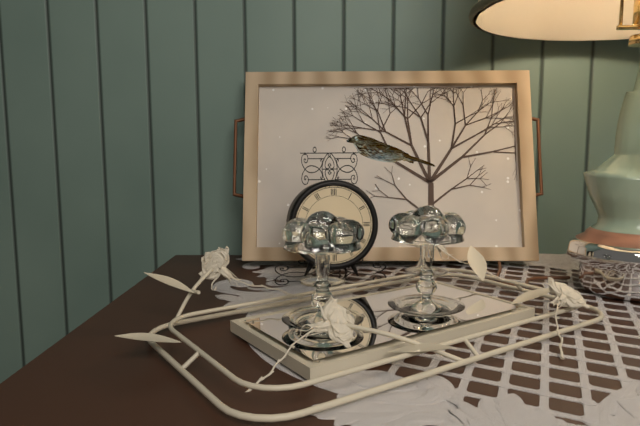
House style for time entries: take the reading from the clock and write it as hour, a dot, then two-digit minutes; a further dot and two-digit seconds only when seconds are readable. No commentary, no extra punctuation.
6.20
